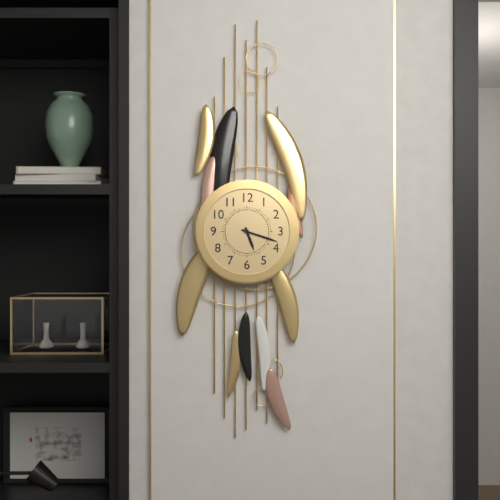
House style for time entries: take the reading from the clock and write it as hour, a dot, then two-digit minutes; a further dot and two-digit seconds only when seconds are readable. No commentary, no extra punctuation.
5.18
